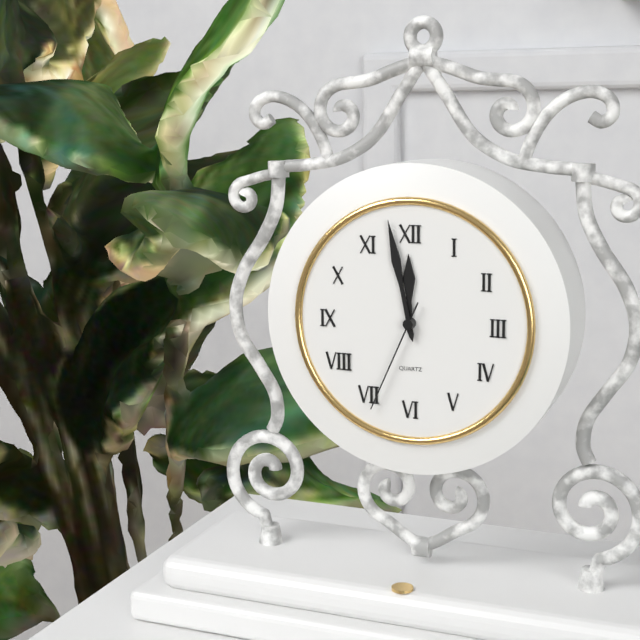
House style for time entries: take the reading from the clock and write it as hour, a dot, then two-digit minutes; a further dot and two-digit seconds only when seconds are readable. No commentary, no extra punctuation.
11.58.34
